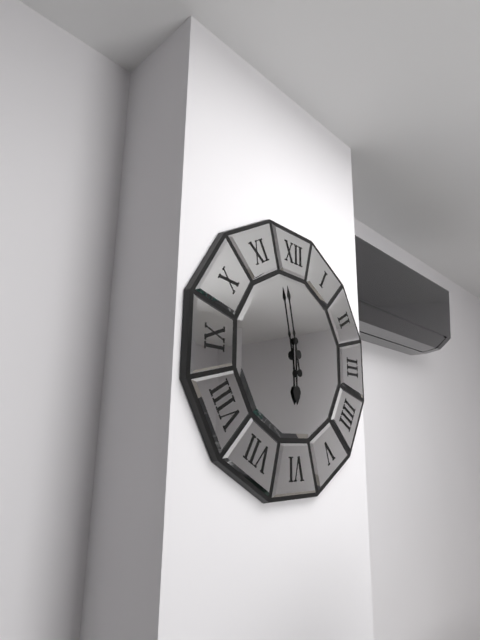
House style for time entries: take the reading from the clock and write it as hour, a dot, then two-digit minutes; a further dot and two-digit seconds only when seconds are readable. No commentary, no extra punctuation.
5.58
